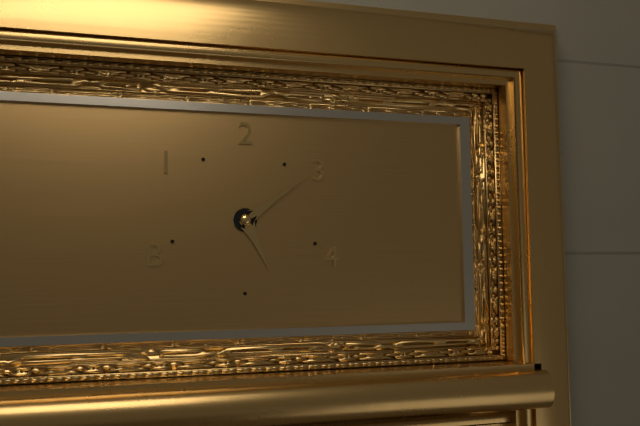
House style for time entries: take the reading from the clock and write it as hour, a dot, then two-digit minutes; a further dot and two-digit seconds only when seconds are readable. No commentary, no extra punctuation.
5.09
